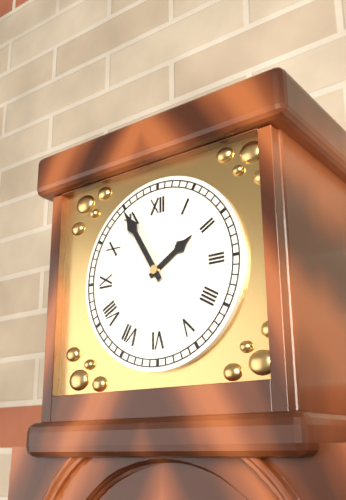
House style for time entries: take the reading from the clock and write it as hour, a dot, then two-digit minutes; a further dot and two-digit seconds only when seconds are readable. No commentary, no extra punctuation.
1.55
